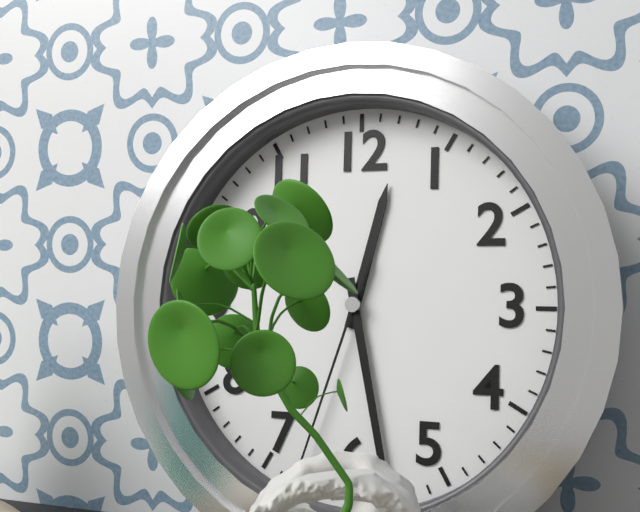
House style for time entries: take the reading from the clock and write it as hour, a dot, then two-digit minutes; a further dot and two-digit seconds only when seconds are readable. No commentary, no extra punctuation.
12.28
